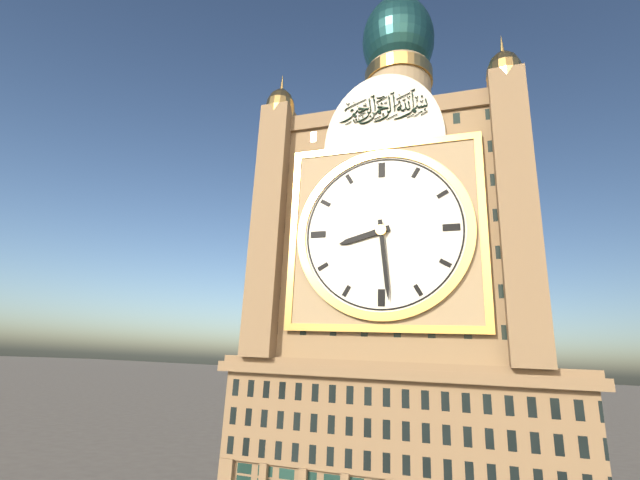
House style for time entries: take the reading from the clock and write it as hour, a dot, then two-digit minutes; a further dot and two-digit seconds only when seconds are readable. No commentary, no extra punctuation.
8.29
